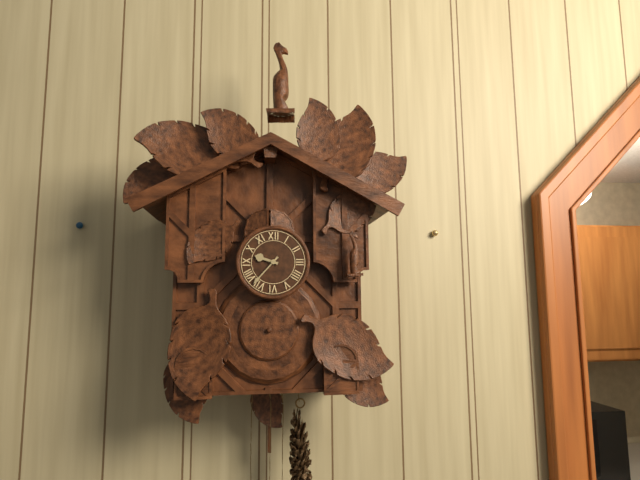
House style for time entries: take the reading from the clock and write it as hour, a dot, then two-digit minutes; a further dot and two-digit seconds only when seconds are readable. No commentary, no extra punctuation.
9.37
